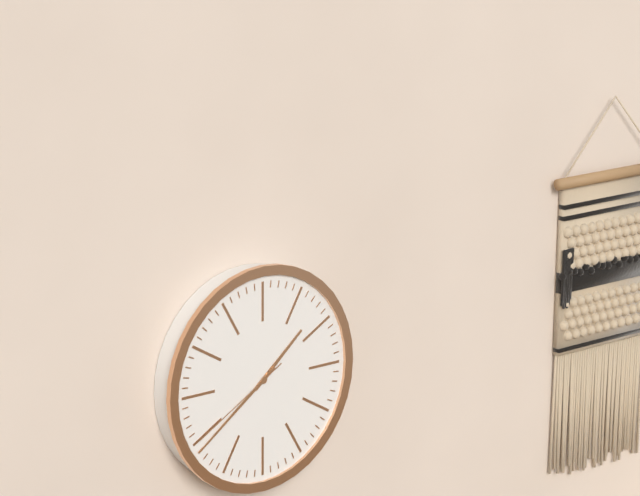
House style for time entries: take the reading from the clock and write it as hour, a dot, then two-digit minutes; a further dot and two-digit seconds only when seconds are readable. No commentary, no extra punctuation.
1.39.40
